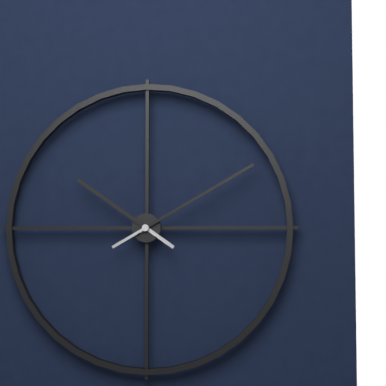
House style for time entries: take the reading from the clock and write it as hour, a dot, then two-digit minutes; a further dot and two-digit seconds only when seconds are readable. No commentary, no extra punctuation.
10.10
